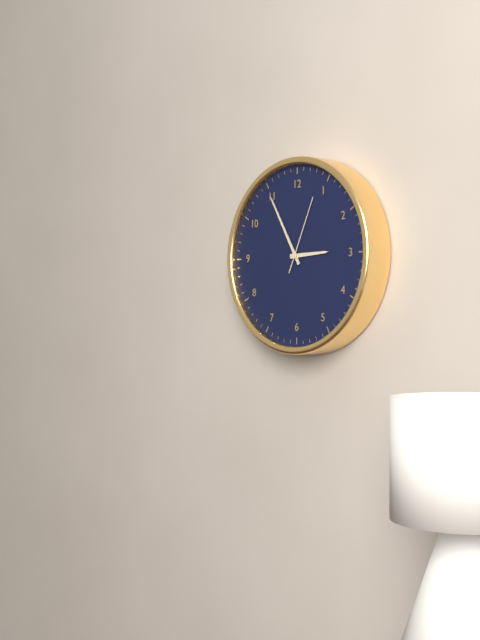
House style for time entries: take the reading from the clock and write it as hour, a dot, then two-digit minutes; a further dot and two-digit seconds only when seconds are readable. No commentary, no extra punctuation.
2.55.04
